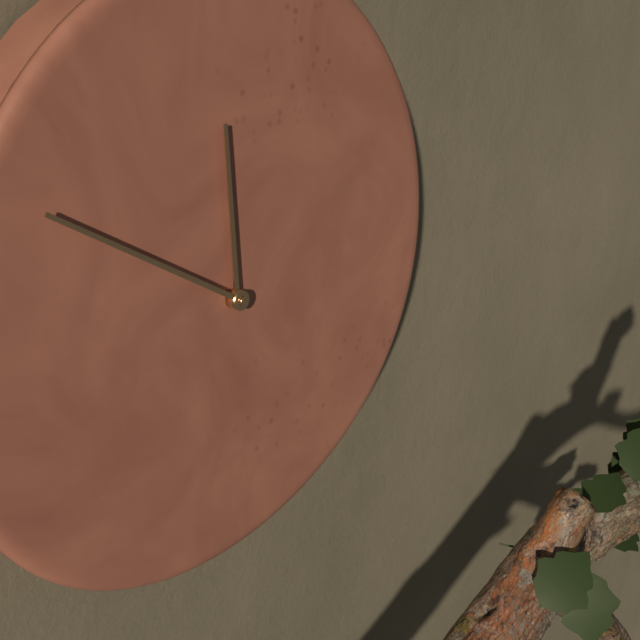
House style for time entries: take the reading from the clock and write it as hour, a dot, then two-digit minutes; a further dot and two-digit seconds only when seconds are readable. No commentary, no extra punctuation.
11.50
